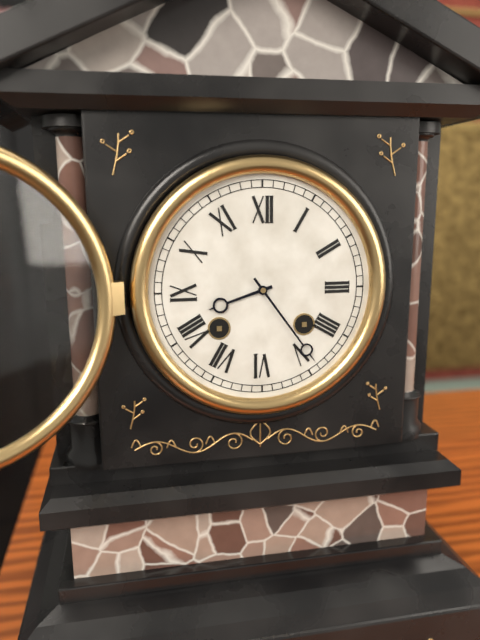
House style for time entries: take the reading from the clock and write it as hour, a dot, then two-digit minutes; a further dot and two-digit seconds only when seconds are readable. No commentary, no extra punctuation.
8.24
